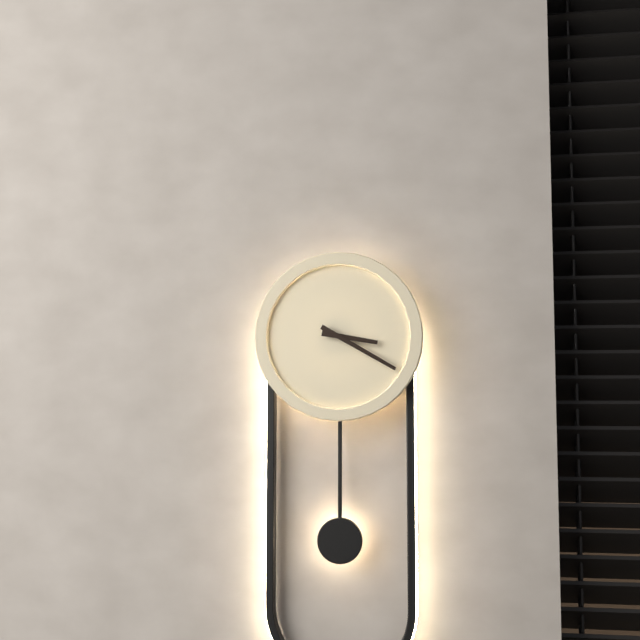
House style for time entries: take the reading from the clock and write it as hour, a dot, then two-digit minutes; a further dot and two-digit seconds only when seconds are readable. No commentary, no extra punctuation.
3.20
